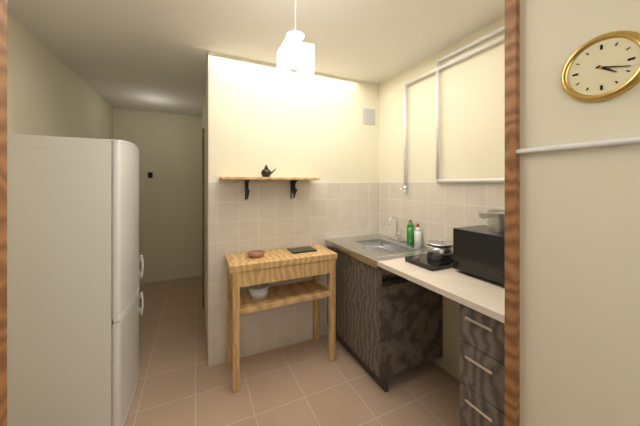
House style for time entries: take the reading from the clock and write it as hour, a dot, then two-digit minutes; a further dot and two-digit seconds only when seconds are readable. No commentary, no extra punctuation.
4.18
